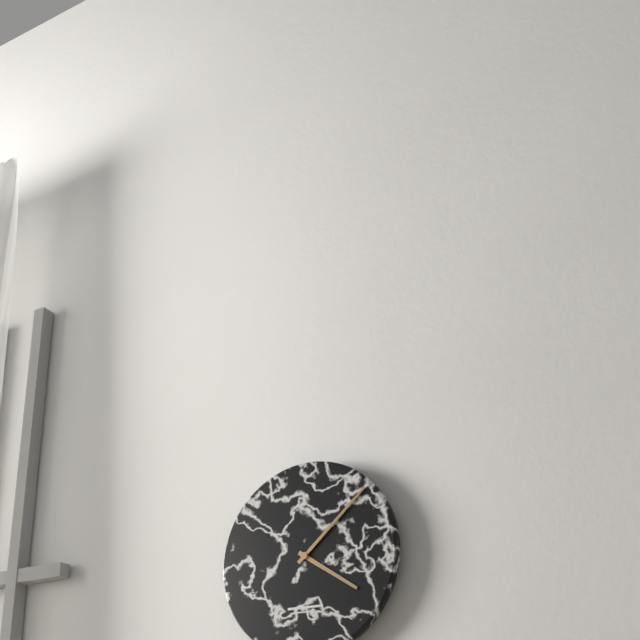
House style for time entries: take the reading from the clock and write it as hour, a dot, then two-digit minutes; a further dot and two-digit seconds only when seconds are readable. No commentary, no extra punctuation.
4.08
